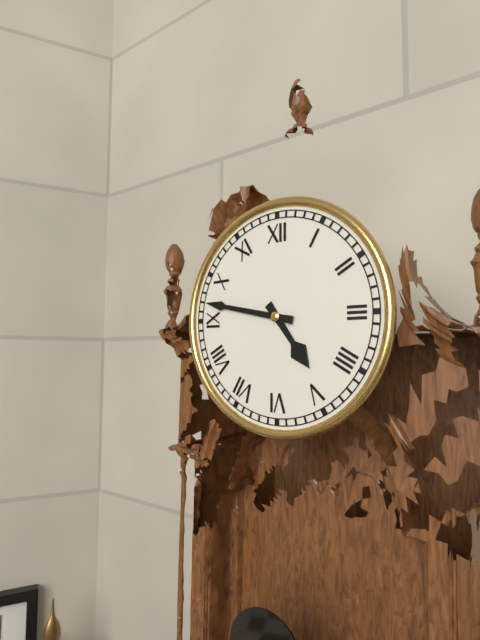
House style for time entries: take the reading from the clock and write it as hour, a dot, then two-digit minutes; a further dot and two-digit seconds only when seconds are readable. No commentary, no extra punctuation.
4.47
